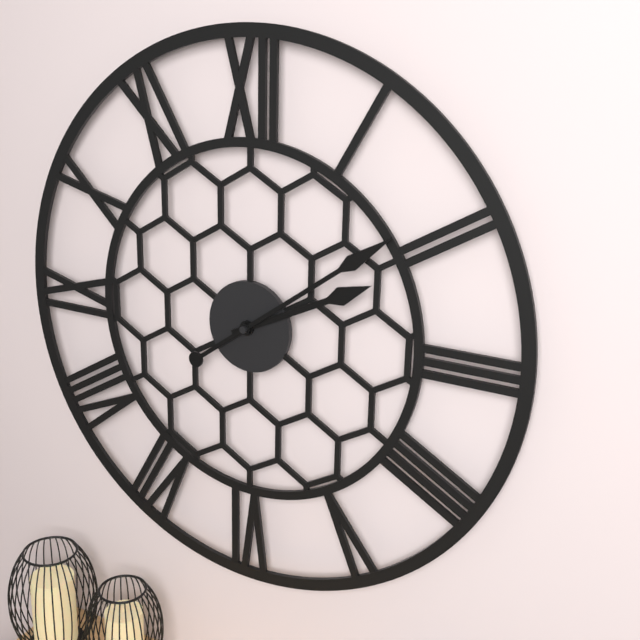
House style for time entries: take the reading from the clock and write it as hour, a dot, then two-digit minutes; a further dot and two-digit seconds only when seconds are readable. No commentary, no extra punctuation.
2.09
